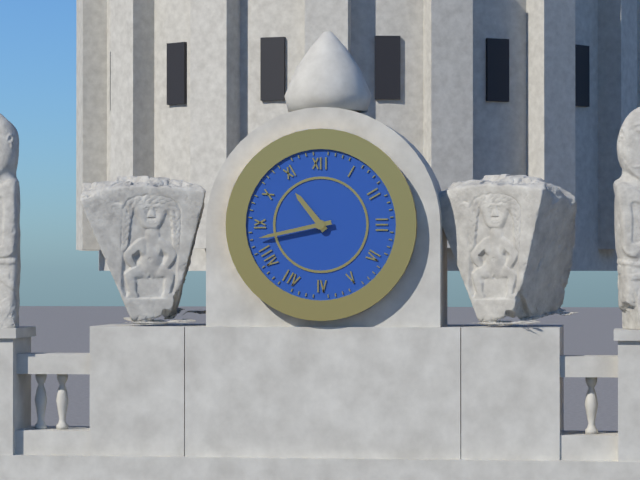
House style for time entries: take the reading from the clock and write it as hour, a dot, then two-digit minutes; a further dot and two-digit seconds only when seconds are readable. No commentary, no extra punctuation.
10.43
